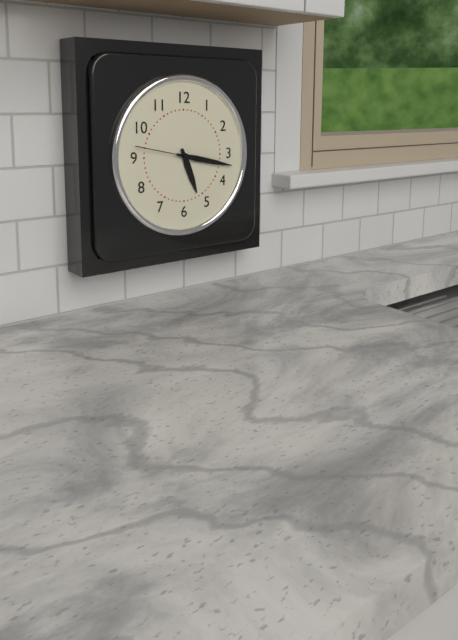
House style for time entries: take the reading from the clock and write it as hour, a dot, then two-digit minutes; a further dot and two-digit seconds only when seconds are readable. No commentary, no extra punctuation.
5.17.47
